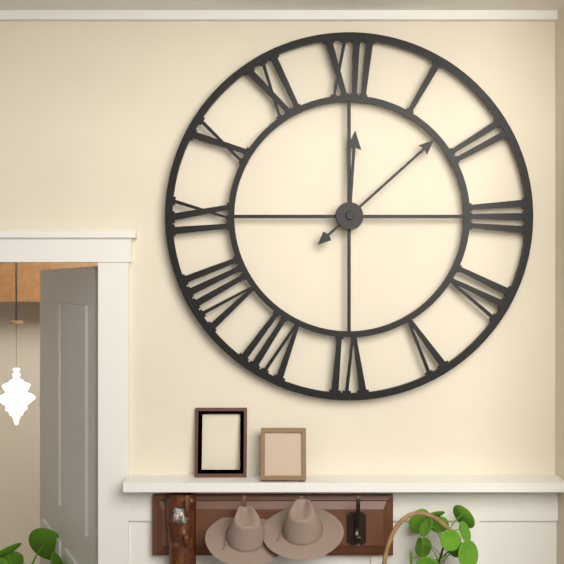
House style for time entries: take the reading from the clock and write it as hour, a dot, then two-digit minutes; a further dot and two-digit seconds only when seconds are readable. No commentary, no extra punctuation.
12.08
